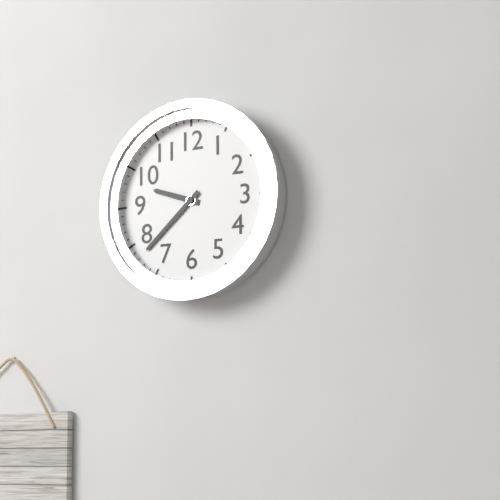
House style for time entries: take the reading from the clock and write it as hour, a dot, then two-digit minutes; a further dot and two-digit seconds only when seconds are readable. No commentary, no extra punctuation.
9.38
